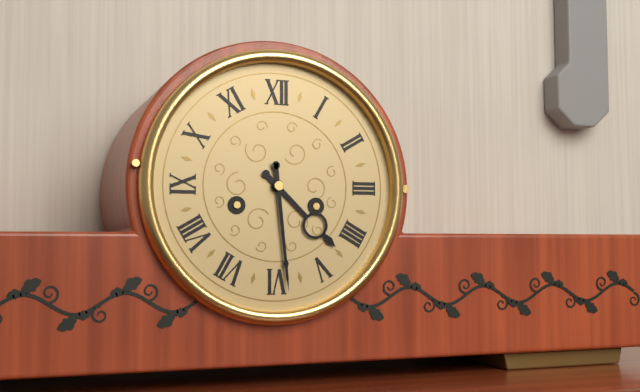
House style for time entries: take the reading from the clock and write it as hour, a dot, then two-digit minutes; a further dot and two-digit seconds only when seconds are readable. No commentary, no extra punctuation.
4.29
